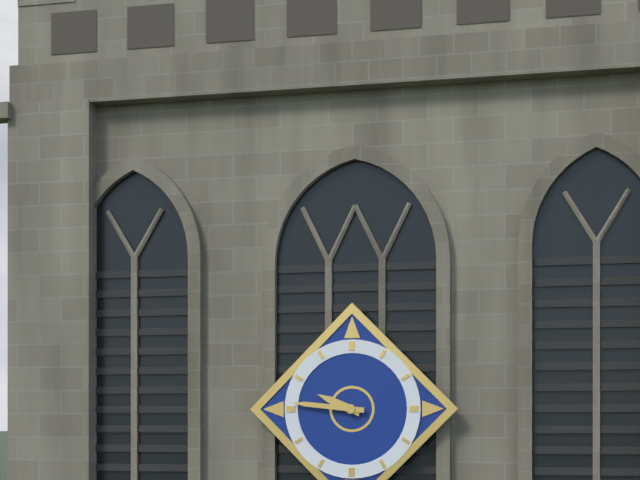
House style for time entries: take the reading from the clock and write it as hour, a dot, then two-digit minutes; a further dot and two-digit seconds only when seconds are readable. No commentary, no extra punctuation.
9.46
